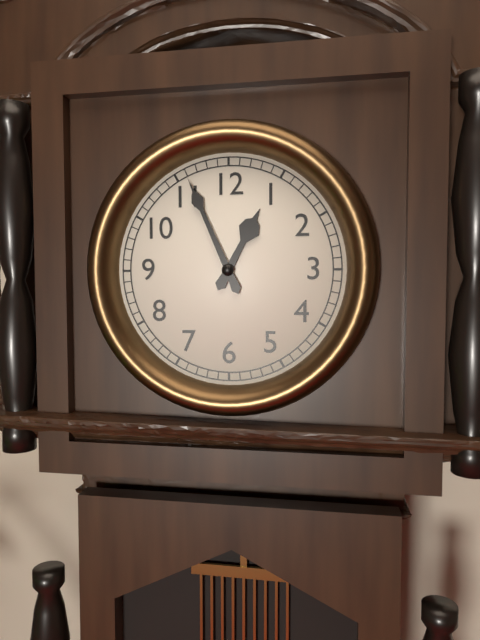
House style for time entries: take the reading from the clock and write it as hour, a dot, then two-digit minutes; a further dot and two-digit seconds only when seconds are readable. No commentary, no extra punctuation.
12.56
